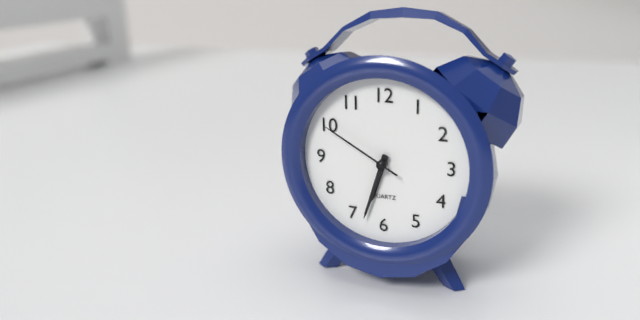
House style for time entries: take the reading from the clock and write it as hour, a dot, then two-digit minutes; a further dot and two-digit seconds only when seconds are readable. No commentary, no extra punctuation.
6.33.50
